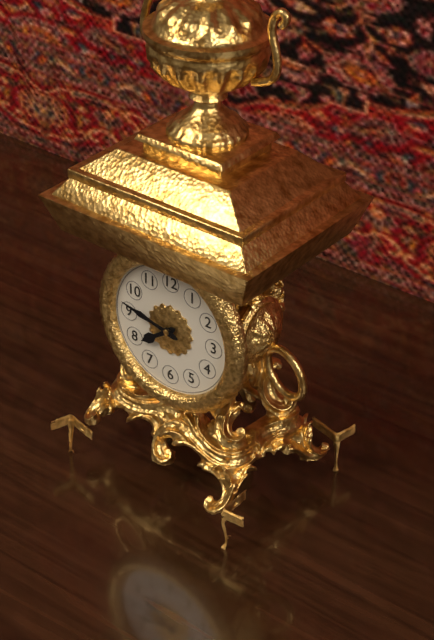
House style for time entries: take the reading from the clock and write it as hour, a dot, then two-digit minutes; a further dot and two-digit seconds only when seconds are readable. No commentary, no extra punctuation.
7.47
